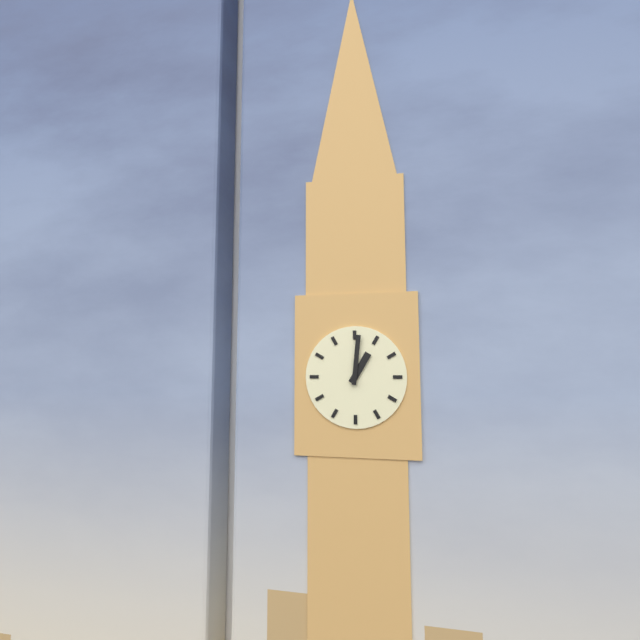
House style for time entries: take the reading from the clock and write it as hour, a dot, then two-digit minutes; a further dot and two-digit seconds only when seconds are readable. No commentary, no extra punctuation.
1.01
